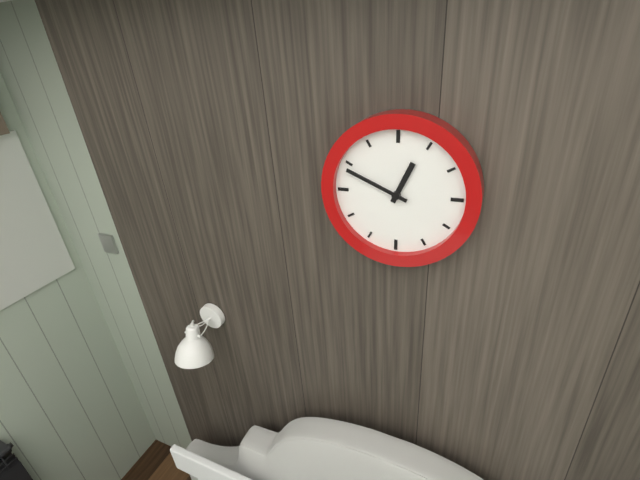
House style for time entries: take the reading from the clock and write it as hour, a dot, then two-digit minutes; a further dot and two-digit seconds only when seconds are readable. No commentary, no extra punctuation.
12.49
